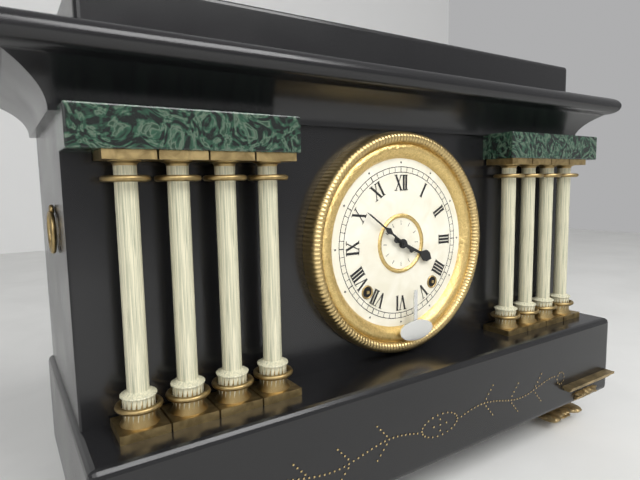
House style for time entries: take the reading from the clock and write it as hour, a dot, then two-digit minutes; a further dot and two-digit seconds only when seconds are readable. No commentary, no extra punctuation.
3.51
